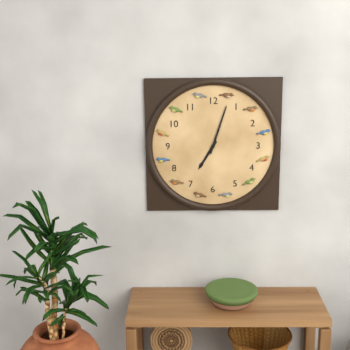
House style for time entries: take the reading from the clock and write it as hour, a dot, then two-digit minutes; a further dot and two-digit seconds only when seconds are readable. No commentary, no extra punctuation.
7.03
